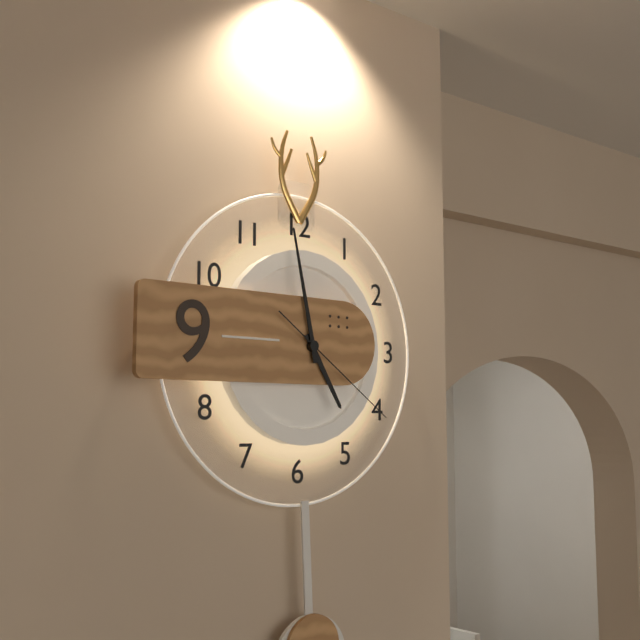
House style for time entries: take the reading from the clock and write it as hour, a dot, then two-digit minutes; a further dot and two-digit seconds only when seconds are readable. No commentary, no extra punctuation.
4.58.21
